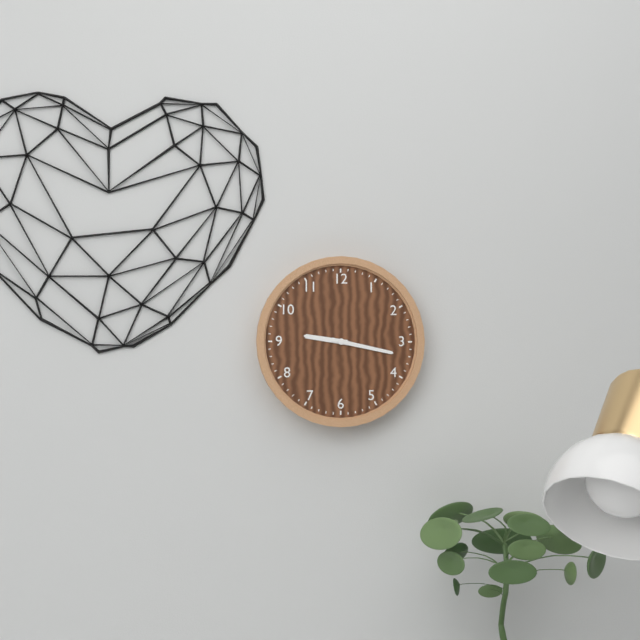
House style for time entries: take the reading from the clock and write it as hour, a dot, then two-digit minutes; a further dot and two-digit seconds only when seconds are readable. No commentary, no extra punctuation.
9.17
